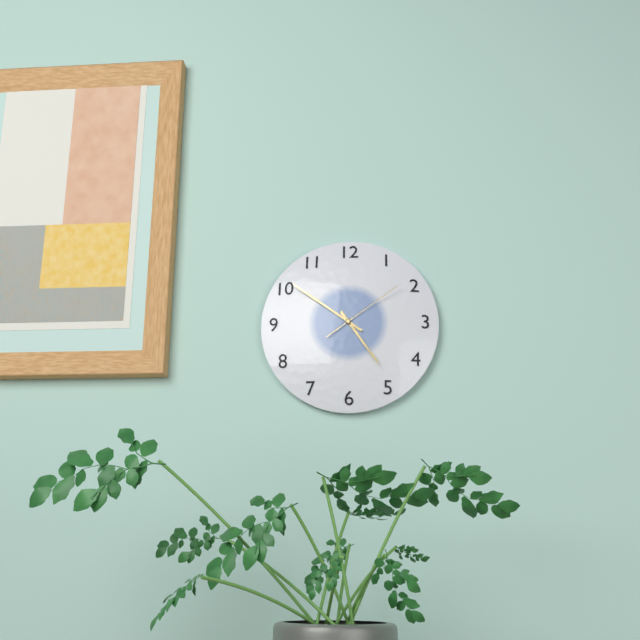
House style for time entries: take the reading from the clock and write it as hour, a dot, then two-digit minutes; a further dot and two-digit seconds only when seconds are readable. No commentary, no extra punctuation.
4.51.09
